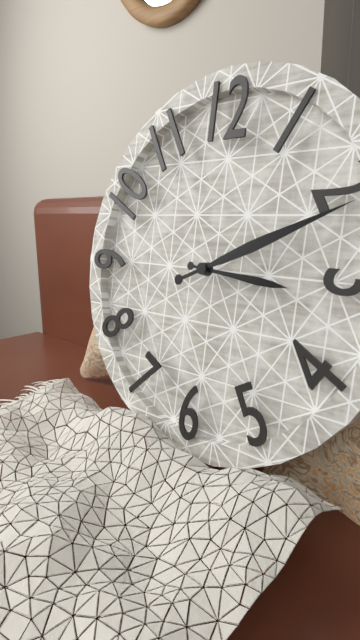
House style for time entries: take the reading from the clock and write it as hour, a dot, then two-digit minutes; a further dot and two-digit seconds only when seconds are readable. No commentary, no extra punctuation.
3.11
